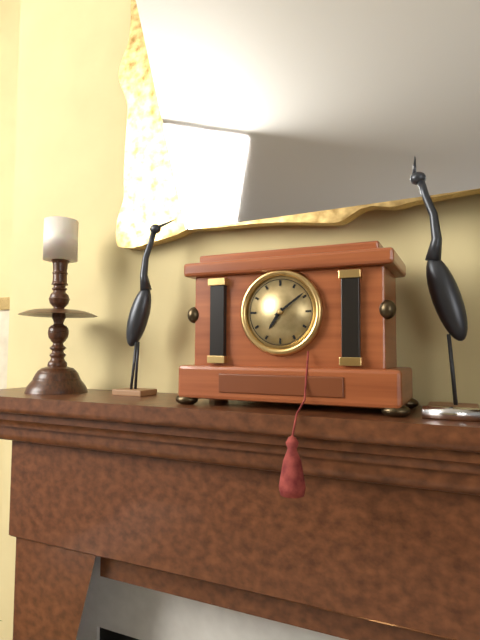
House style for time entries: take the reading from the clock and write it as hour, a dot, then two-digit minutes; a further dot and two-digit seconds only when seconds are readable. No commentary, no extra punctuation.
7.09
